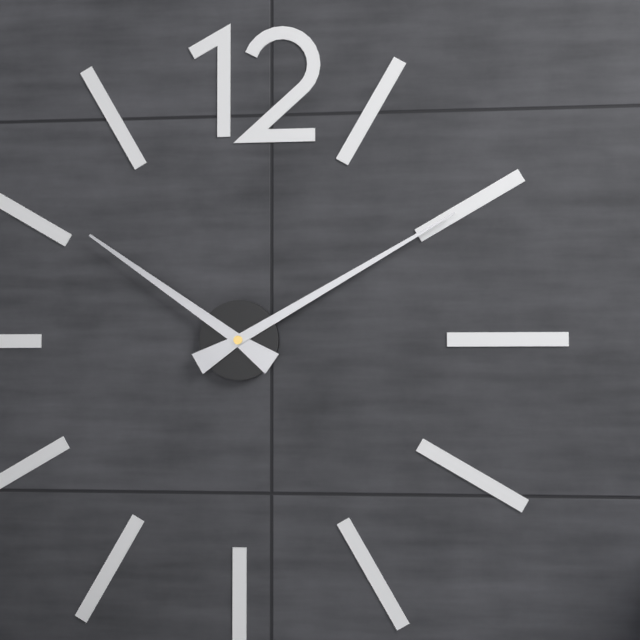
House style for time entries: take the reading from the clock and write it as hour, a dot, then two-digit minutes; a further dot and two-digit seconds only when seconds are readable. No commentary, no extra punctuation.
10.10
